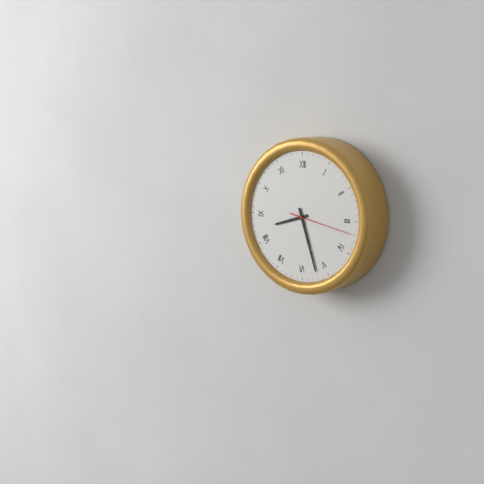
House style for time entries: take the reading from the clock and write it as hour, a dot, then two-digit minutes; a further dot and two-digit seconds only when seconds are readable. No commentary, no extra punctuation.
8.27.17
